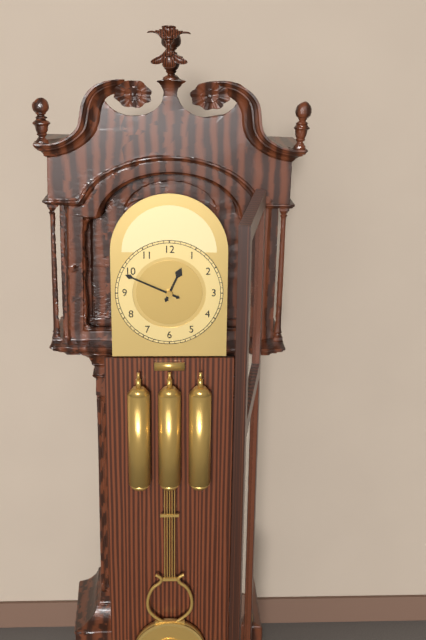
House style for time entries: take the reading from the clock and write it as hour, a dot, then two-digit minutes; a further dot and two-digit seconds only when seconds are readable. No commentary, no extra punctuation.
12.49
